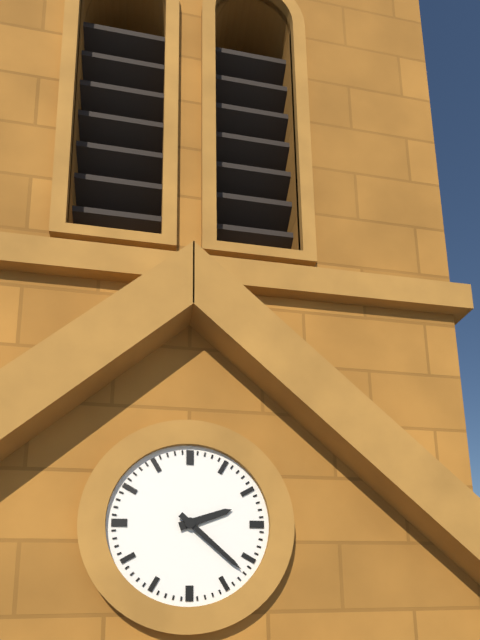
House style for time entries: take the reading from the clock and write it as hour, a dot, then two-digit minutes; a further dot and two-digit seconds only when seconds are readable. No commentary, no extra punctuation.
2.22
